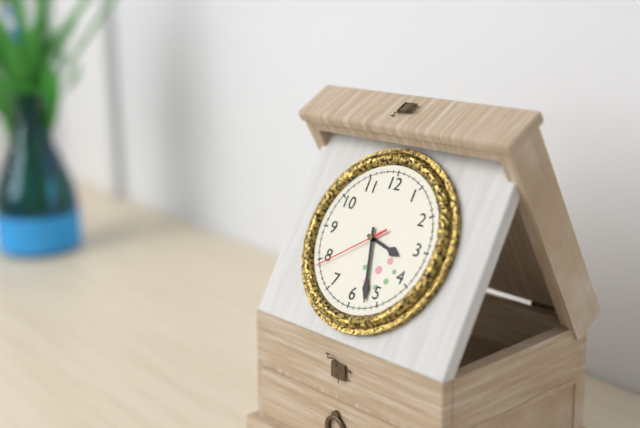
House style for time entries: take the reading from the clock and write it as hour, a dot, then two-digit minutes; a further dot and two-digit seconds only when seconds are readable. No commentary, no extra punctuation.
3.27.39
